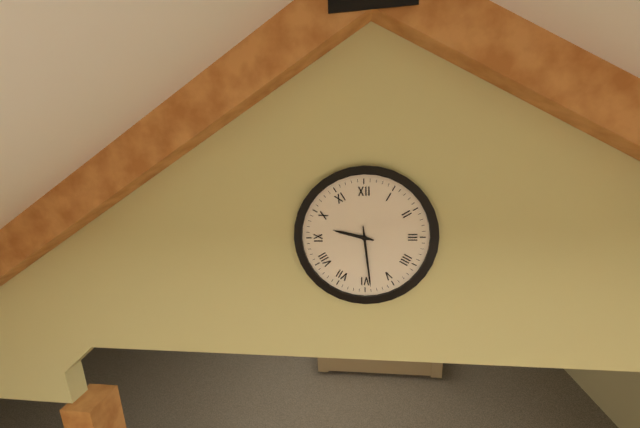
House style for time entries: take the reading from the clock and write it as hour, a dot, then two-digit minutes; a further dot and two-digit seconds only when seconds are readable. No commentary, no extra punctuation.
9.29
